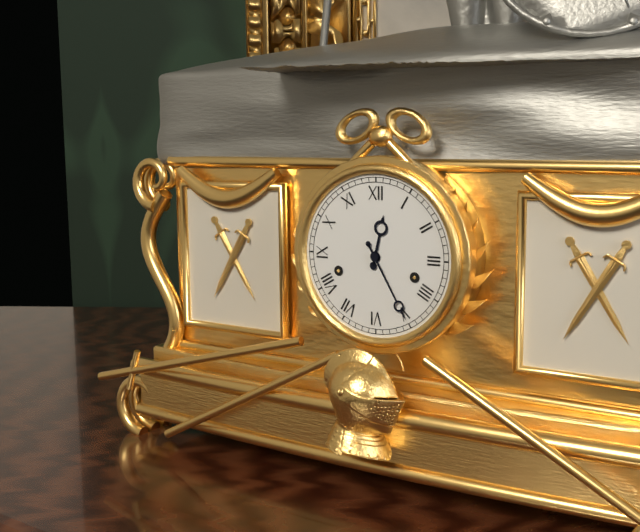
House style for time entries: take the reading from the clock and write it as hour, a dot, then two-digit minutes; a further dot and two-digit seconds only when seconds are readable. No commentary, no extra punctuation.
12.25
